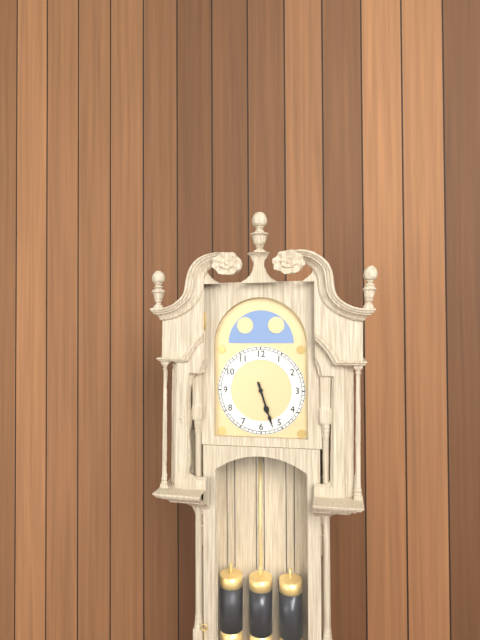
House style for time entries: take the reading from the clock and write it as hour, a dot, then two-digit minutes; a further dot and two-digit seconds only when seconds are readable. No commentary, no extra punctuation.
5.27
